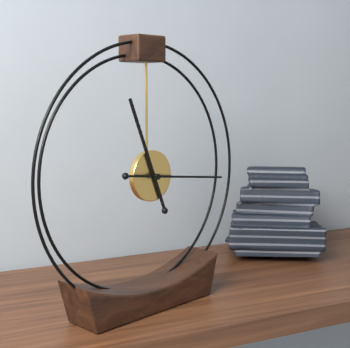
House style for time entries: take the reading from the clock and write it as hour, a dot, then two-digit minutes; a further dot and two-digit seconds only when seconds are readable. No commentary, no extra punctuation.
11.16
